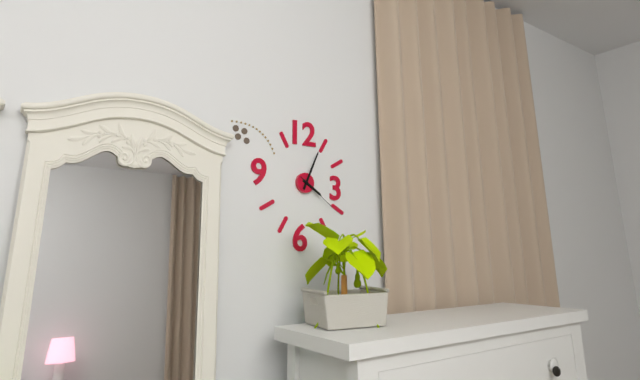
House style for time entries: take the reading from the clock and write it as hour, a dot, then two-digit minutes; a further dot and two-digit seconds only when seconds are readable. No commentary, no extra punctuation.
4.04
